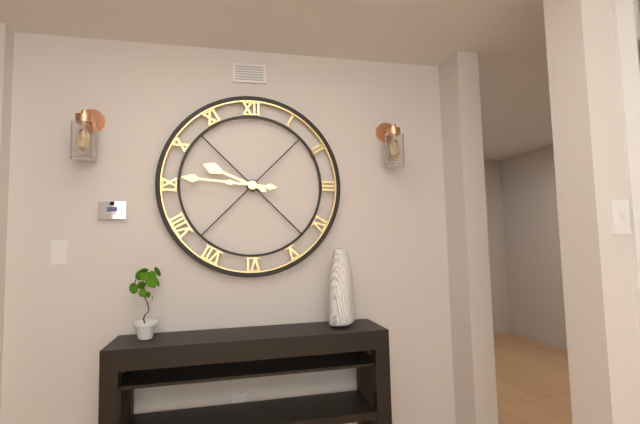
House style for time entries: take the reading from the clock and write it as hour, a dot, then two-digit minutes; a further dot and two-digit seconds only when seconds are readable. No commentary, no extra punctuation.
9.46
